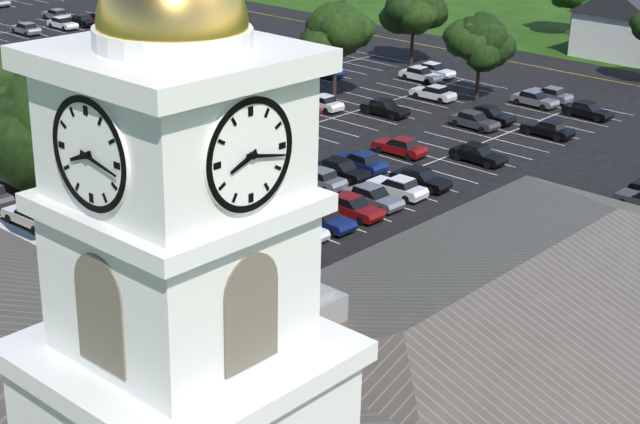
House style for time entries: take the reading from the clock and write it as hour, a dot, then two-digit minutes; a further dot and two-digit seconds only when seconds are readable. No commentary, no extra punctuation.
8.17
